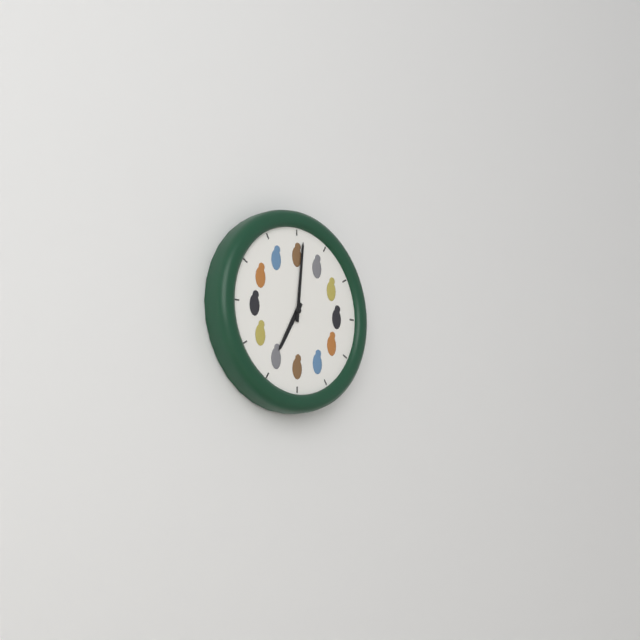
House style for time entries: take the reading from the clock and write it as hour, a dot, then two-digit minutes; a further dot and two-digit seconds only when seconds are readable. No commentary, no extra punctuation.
7.01
